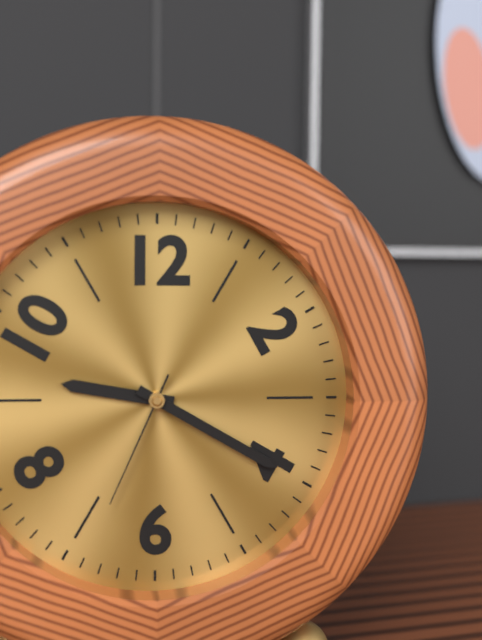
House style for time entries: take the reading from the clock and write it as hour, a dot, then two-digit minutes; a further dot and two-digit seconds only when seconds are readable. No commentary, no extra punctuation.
9.20.34
